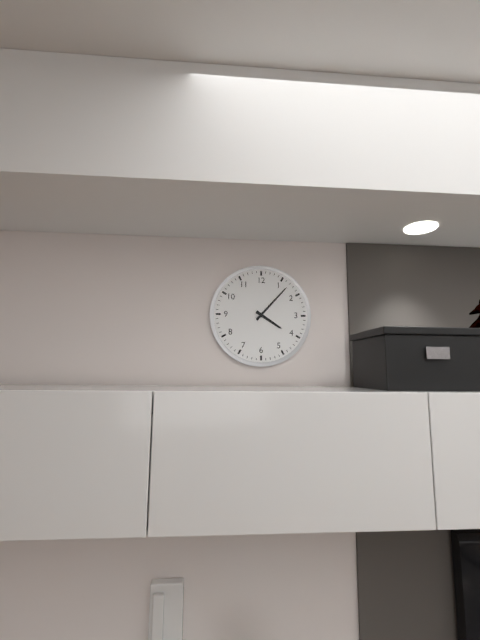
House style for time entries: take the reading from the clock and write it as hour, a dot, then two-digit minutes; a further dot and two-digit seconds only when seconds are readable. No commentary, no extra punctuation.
4.07
